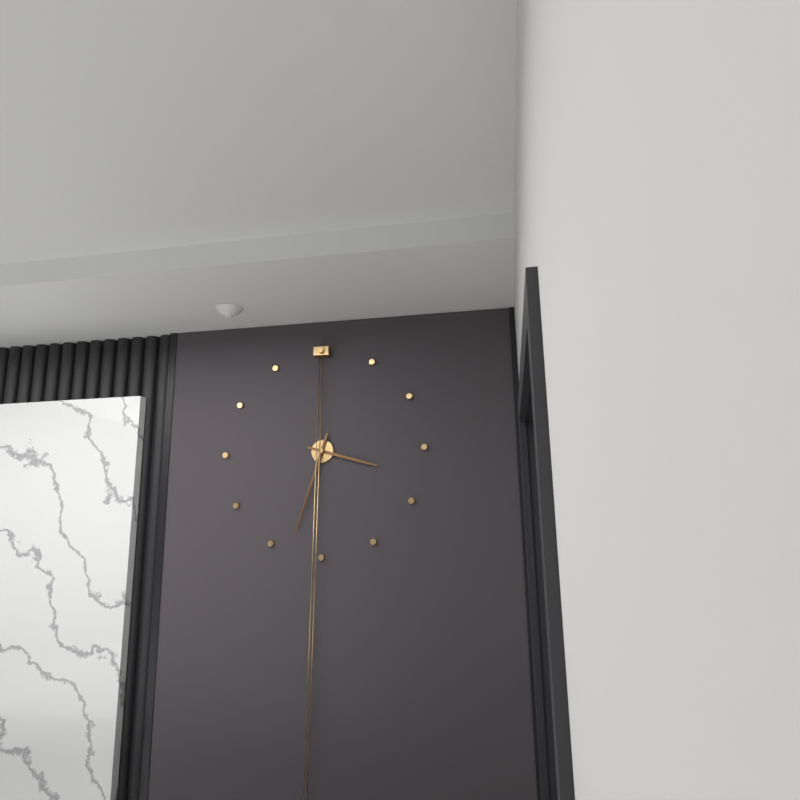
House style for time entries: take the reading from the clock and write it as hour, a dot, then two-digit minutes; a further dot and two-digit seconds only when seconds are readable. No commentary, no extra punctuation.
3.33
